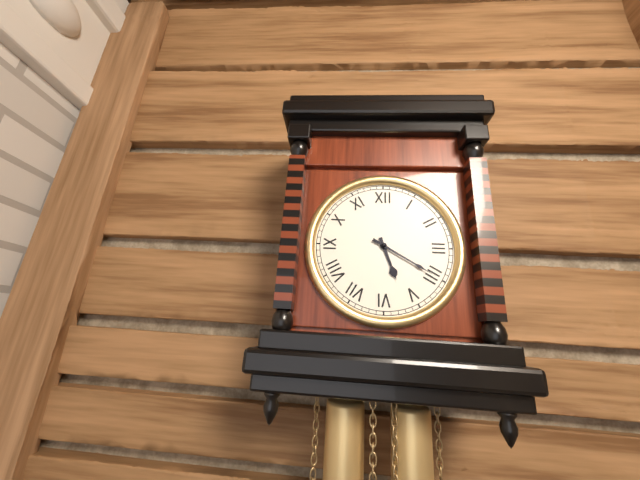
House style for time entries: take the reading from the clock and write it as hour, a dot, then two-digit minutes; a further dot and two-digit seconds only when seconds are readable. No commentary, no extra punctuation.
5.20
